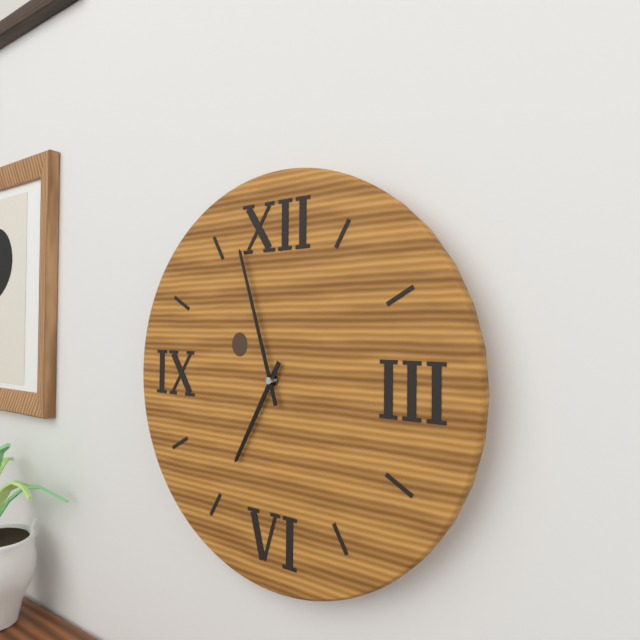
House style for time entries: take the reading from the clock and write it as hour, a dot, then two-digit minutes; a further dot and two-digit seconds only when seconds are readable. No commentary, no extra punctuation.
6.57
